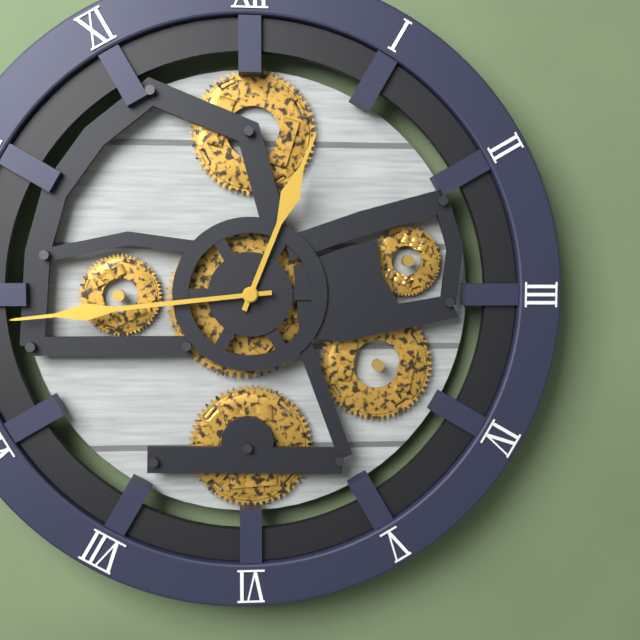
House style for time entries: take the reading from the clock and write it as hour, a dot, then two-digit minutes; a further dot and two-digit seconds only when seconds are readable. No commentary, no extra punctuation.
12.44
